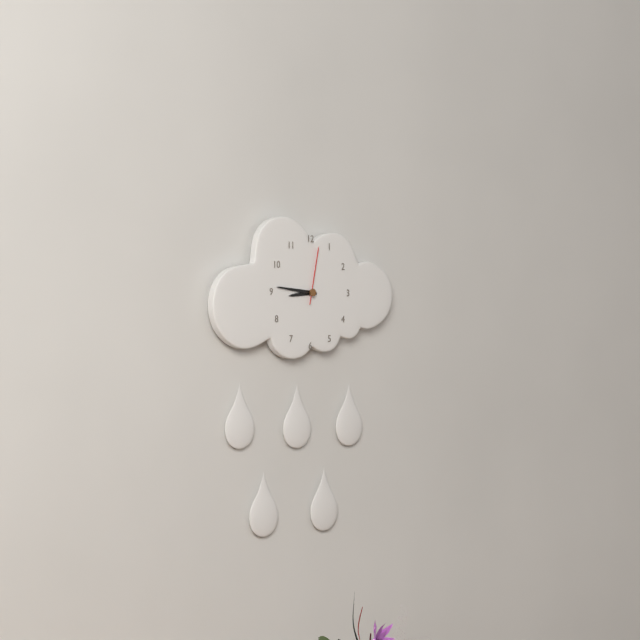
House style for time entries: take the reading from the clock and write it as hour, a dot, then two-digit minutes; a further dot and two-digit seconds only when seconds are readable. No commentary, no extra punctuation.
8.46.02
